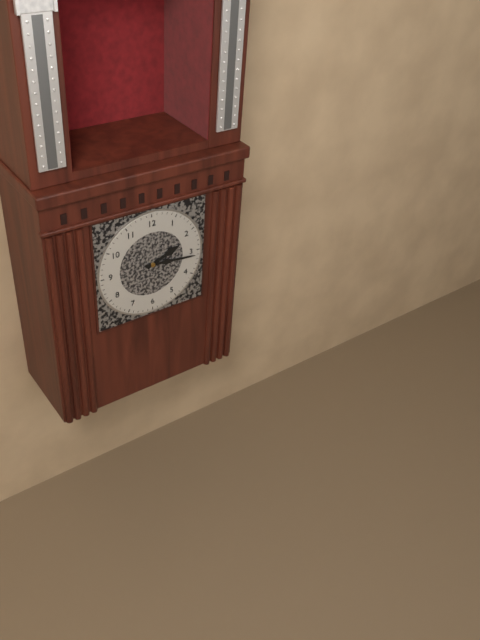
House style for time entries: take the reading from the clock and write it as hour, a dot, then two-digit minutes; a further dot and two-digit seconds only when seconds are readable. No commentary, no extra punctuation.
2.16
